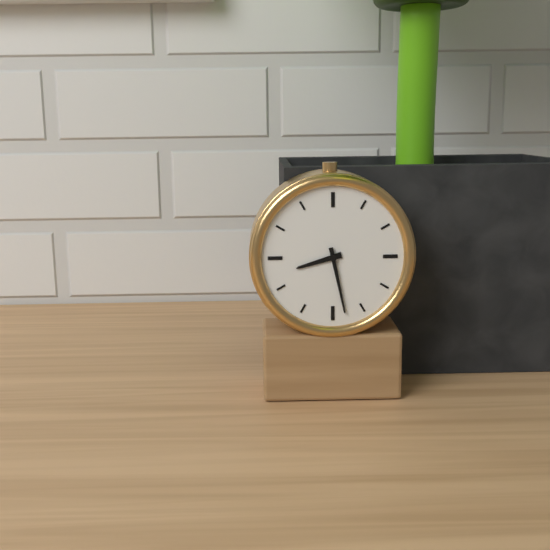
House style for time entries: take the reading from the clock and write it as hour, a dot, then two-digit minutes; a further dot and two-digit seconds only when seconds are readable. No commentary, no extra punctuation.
8.28
